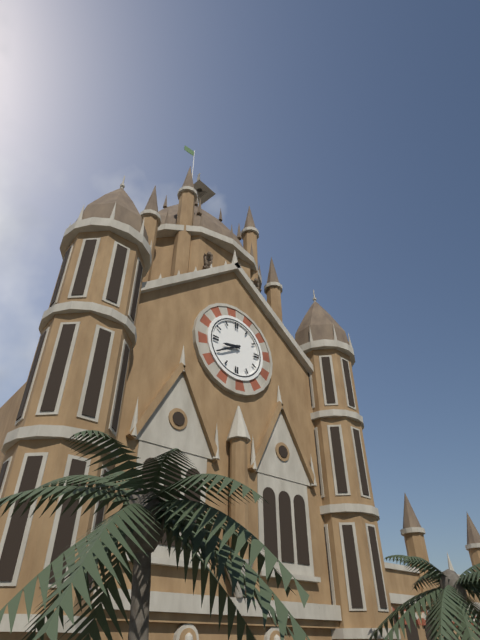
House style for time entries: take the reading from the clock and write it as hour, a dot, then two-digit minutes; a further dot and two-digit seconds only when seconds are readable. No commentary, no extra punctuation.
8.40
